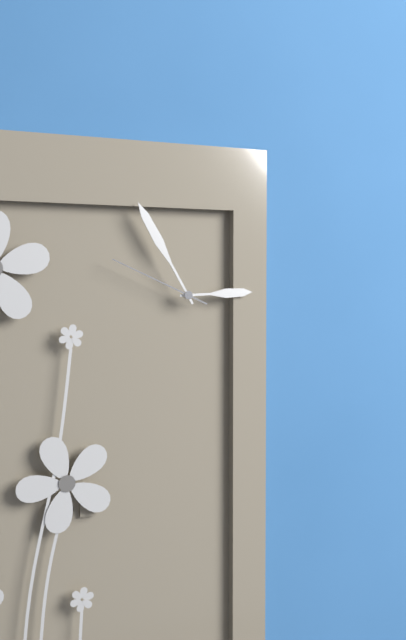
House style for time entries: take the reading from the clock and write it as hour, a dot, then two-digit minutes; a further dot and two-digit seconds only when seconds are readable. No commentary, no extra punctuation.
2.55.49
